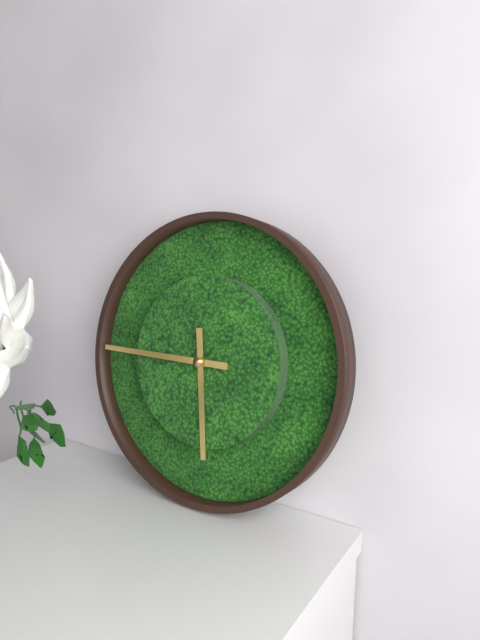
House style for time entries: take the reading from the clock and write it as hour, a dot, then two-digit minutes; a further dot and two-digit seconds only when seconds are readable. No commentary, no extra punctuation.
5.45
